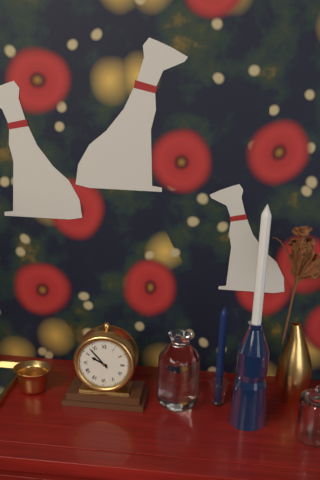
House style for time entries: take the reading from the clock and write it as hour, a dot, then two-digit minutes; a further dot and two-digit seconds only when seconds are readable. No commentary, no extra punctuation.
9.53
